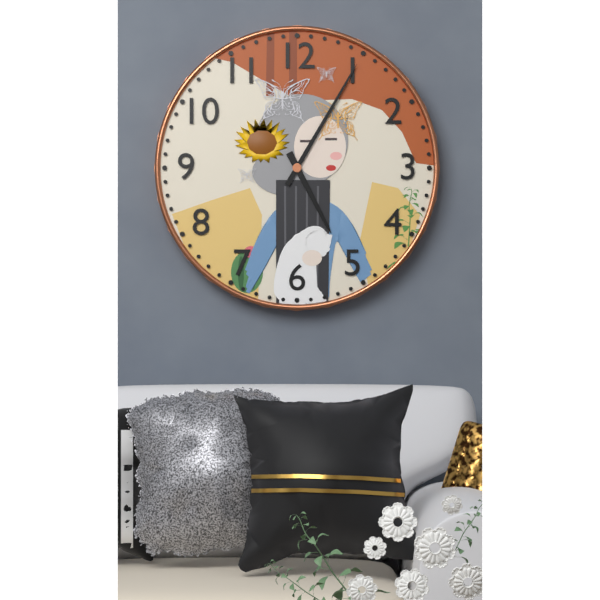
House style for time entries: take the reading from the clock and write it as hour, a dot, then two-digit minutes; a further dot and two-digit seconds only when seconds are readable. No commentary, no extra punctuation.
5.05
